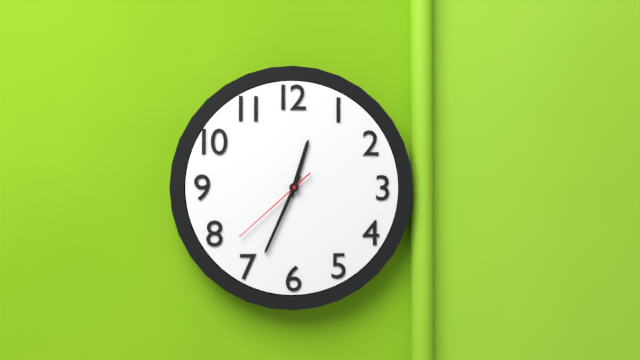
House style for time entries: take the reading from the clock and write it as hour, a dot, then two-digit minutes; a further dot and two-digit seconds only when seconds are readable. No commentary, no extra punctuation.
12.34.38
